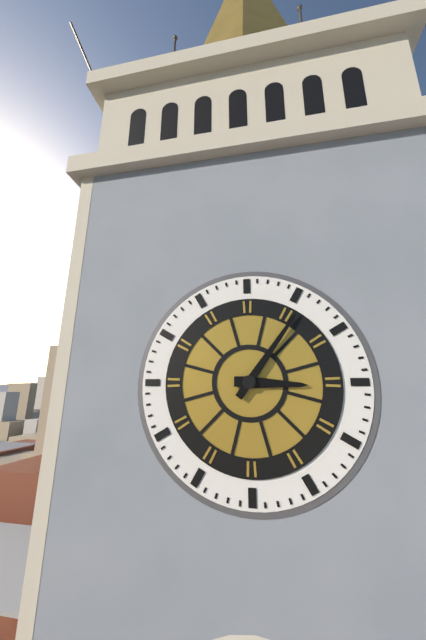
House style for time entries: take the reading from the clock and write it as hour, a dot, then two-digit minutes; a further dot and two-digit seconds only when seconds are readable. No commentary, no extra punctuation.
3.06
